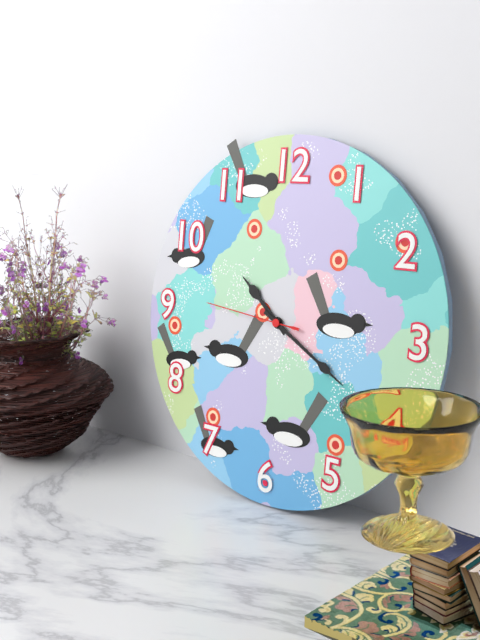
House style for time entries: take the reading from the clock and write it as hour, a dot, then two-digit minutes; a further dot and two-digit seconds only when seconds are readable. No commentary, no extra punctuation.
10.20.46
